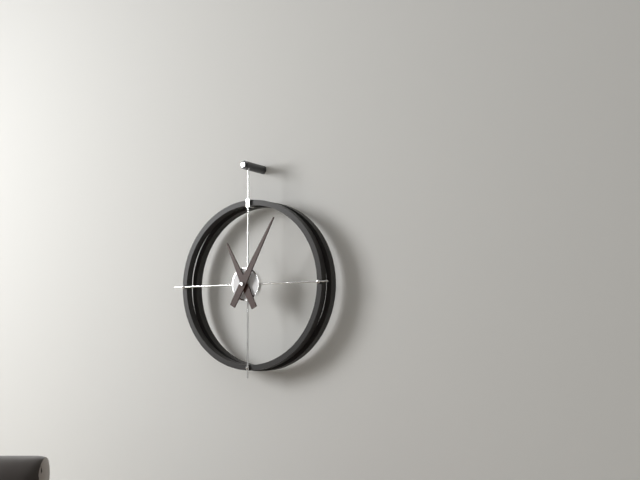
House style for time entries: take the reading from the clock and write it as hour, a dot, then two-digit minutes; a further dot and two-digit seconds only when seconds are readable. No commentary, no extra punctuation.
11.05
